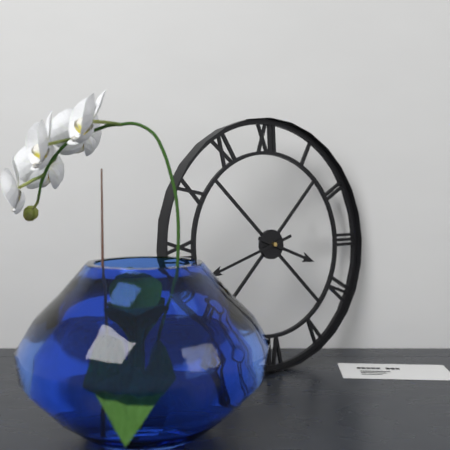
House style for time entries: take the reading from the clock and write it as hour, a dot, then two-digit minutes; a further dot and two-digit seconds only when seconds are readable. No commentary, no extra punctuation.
3.42
